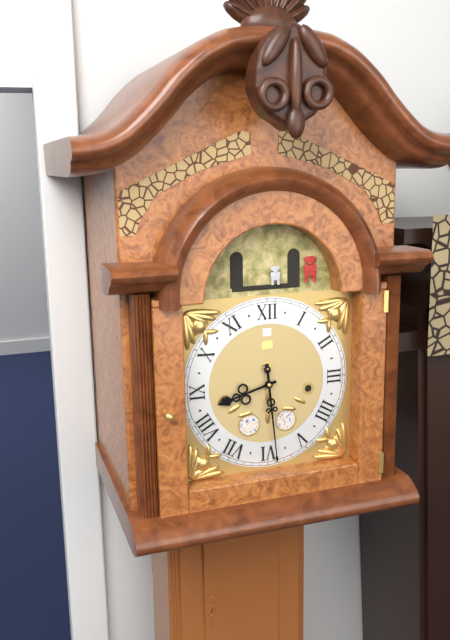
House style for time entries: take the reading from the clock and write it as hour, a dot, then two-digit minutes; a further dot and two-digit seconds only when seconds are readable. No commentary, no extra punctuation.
8.29
